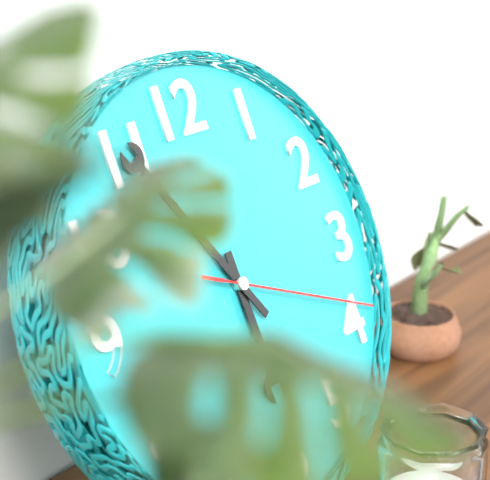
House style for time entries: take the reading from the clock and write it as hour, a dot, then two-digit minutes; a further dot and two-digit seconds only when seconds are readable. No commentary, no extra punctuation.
5.55.19
